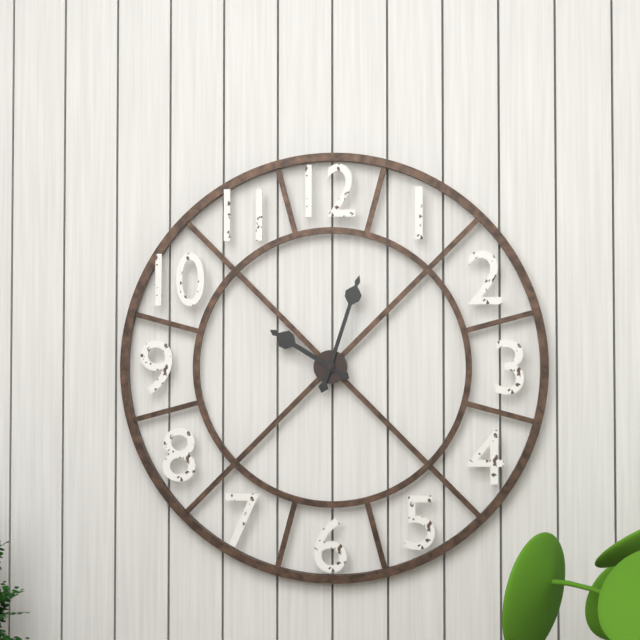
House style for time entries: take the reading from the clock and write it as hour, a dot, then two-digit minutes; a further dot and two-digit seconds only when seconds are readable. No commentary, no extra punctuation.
10.03
